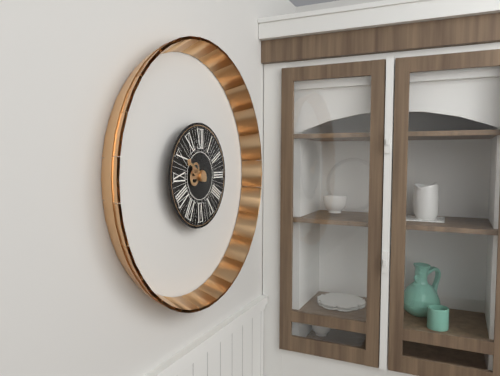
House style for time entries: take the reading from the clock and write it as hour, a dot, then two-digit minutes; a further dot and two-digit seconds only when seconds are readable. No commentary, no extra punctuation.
8.50
